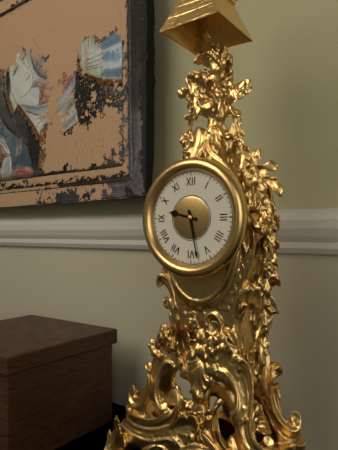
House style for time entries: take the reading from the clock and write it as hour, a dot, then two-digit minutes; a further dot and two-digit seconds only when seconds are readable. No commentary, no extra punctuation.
9.28
